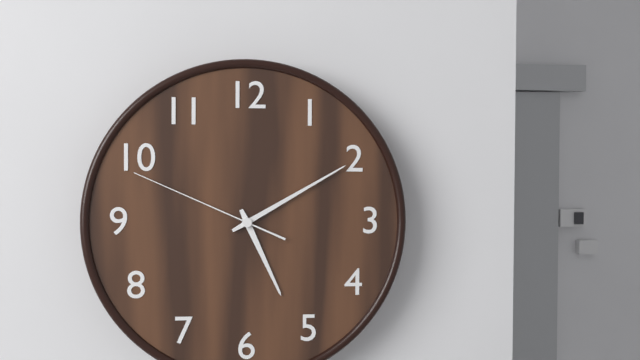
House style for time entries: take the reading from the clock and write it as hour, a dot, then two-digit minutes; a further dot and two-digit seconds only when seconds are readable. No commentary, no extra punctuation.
5.10.49
